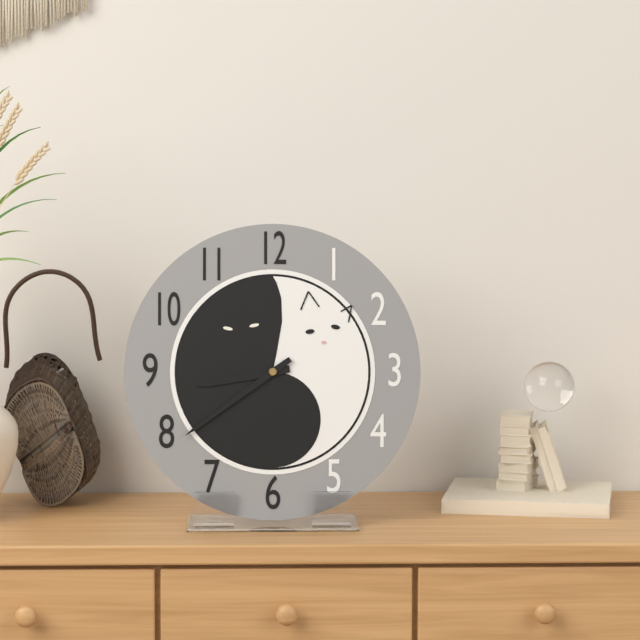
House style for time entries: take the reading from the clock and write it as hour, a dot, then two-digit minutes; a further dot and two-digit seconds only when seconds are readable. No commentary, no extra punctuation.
8.39
